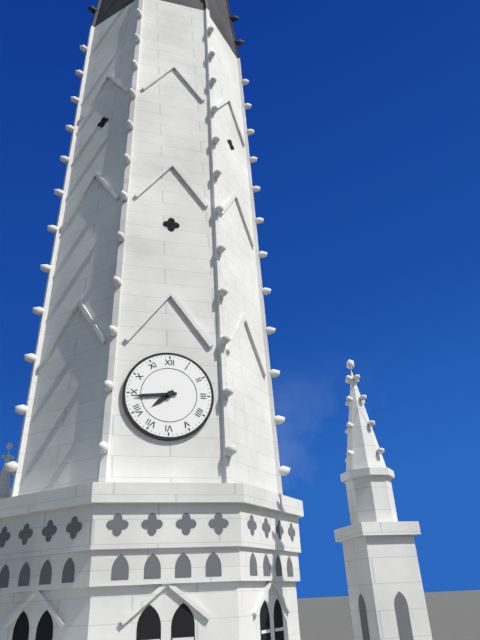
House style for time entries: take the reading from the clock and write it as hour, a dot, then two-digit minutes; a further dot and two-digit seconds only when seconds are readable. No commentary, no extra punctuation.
7.44
